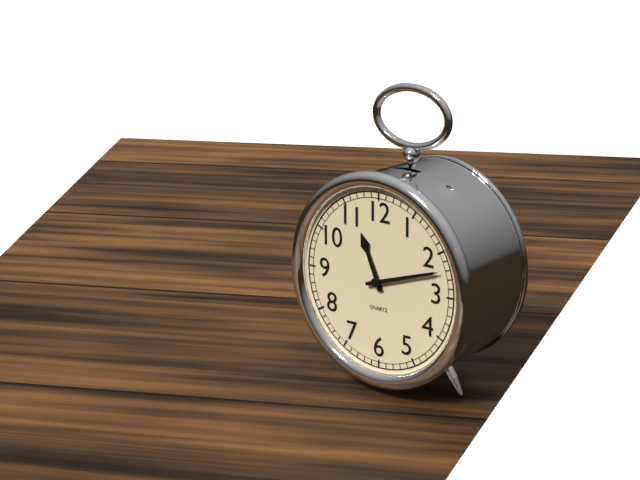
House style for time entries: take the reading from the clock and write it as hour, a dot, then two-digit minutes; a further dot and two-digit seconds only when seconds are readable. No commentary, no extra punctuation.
11.12
